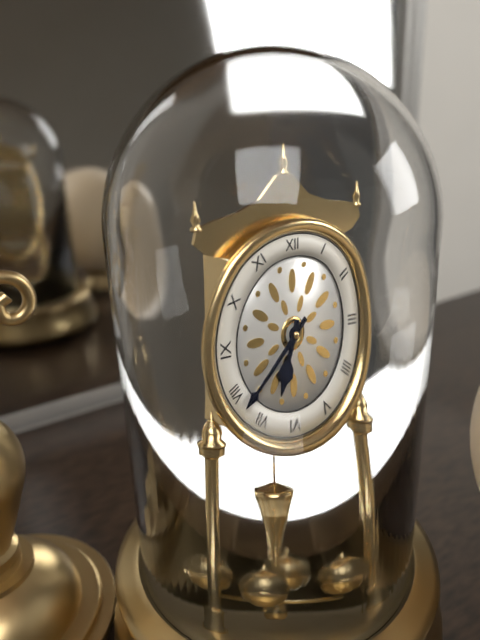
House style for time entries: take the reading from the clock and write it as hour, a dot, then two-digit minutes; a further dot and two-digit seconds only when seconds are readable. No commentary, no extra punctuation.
6.38
